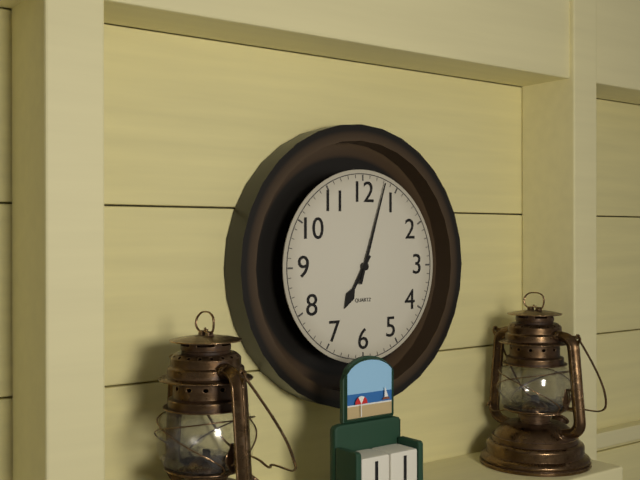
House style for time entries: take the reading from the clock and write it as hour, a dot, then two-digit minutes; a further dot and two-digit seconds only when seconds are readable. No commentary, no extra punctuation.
7.03
